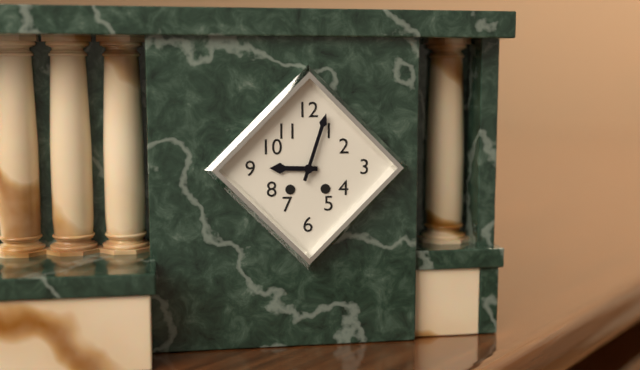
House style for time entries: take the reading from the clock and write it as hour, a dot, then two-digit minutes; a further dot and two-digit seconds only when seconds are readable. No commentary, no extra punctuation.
9.03
